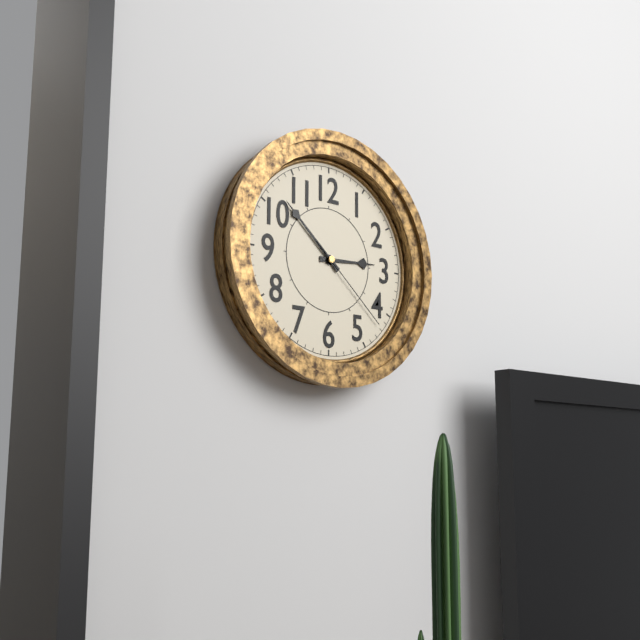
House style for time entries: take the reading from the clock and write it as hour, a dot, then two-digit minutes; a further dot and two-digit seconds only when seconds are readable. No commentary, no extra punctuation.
2.52.22
